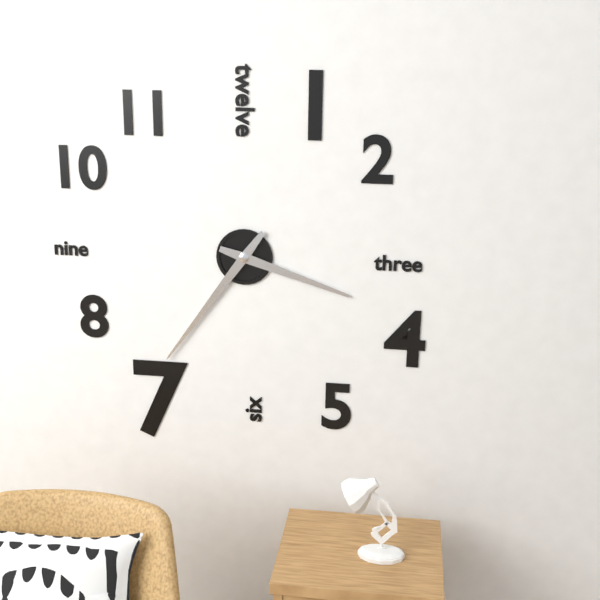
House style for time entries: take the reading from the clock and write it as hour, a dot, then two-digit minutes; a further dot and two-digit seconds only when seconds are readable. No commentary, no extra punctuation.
3.36
